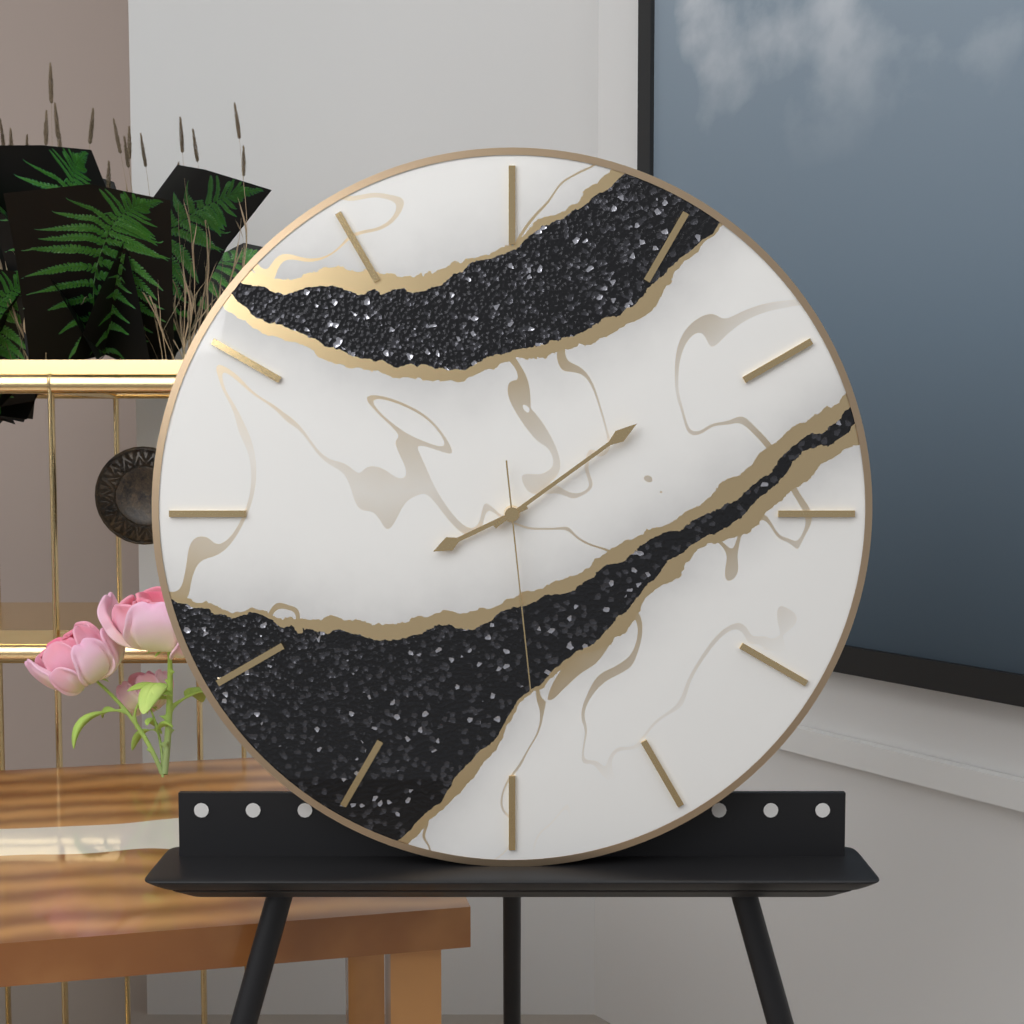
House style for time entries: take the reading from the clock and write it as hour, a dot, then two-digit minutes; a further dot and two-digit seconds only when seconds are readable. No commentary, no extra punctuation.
8.09.29
